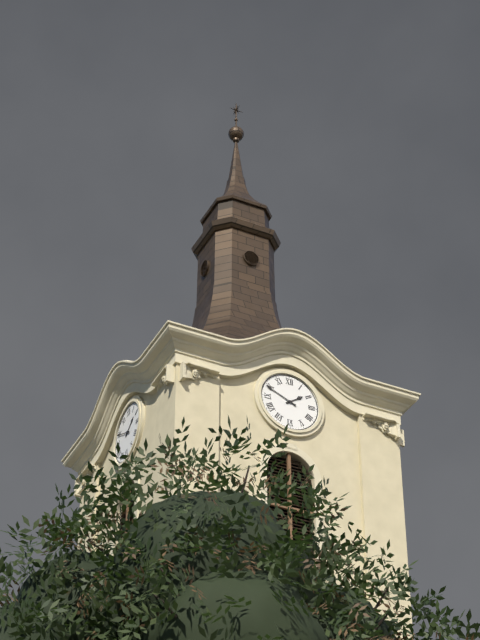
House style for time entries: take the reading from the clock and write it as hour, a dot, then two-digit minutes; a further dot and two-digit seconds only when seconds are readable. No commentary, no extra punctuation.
1.49
